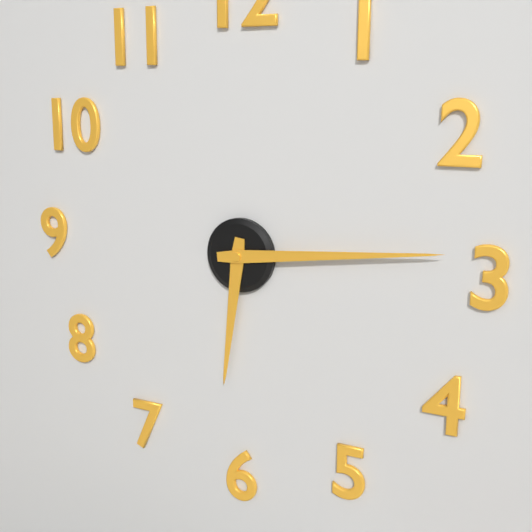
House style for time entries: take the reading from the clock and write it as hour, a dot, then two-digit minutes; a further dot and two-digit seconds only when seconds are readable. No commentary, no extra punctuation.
6.14
